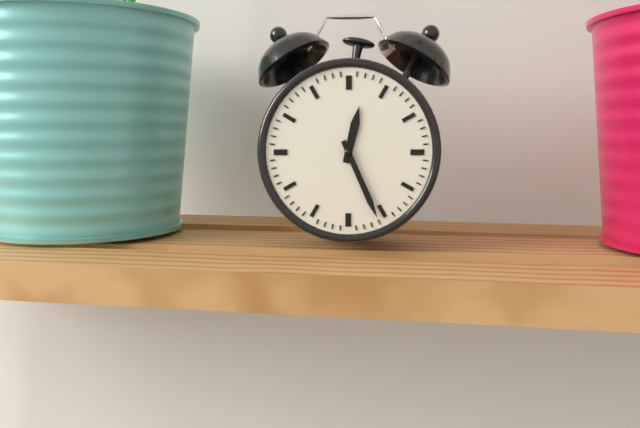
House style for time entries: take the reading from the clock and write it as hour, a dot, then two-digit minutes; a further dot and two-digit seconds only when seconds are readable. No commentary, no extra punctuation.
12.26
